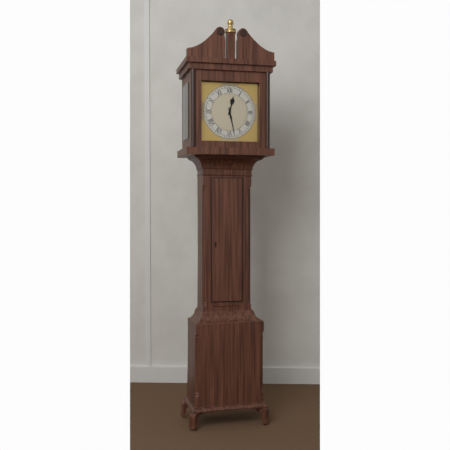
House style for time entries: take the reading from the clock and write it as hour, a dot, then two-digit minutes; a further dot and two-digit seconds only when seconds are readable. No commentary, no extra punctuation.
12.28
